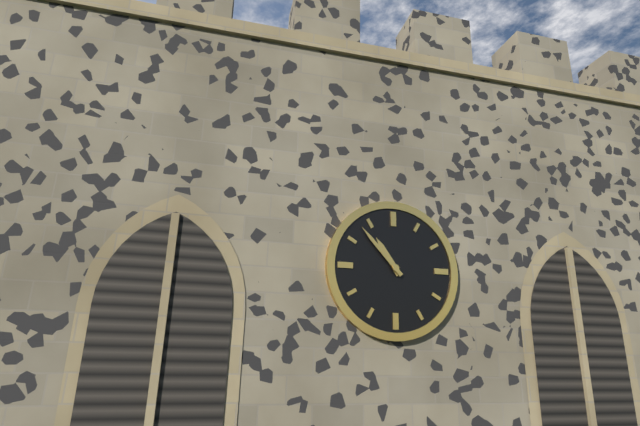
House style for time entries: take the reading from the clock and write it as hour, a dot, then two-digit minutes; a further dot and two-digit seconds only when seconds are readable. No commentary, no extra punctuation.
10.53
